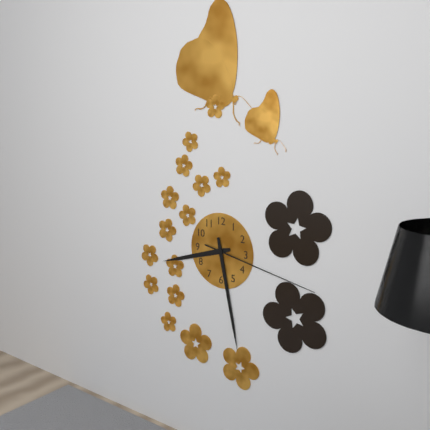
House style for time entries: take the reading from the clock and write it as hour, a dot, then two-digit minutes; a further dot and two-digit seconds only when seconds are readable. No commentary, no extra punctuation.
8.28.17
